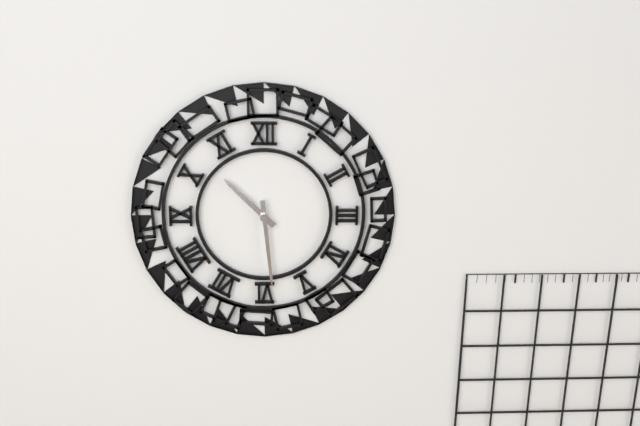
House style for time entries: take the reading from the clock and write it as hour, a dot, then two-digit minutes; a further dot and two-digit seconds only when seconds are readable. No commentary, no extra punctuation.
10.29
